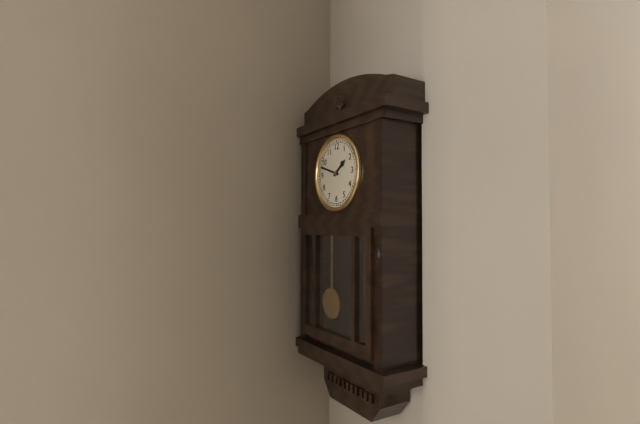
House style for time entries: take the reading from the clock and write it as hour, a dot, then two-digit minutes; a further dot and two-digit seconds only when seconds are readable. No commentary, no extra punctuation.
1.48
